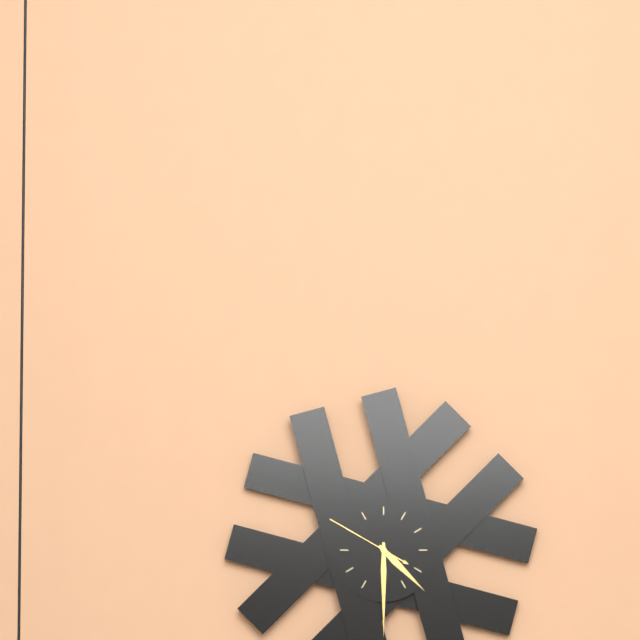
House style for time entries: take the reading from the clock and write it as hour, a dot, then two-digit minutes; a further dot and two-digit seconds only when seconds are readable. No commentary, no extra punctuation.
4.30.50
